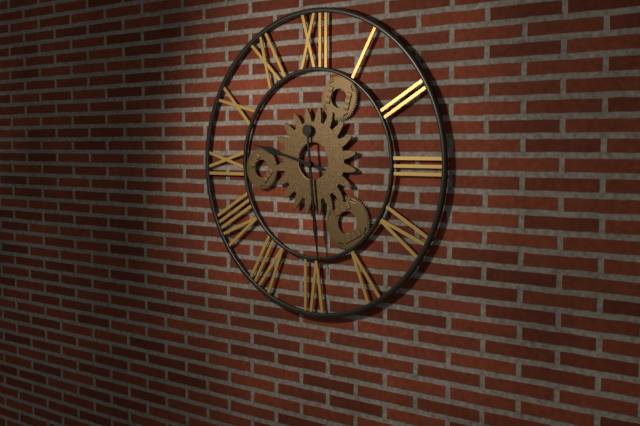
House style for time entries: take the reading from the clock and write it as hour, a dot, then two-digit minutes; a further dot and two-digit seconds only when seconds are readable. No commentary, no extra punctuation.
9.29
